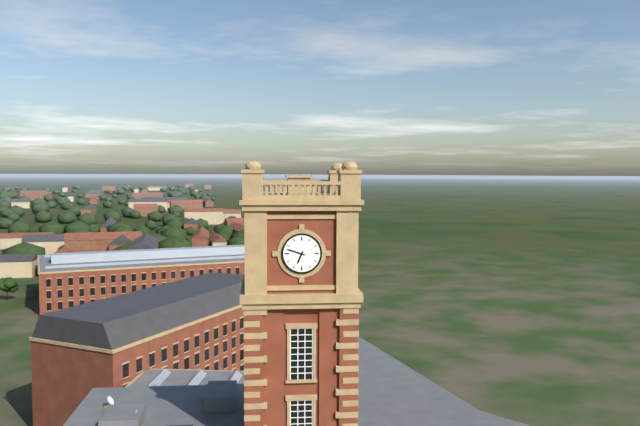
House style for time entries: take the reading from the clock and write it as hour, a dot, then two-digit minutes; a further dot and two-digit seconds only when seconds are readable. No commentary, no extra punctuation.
6.48
